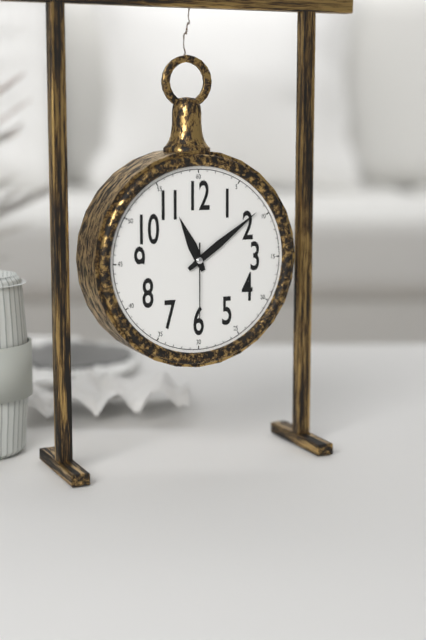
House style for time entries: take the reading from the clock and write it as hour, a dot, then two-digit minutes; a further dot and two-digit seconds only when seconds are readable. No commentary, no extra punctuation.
11.09.30
